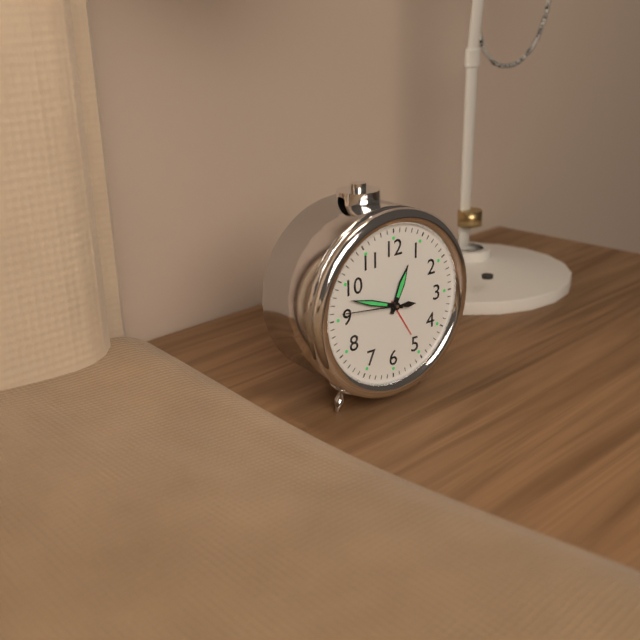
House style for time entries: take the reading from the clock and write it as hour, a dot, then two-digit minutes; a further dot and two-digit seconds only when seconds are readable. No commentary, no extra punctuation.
12.48.46
